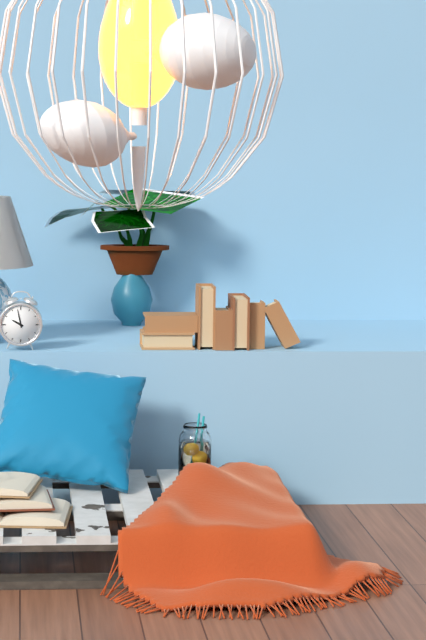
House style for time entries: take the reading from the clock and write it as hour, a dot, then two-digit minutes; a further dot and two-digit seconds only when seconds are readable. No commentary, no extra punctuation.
9.58
